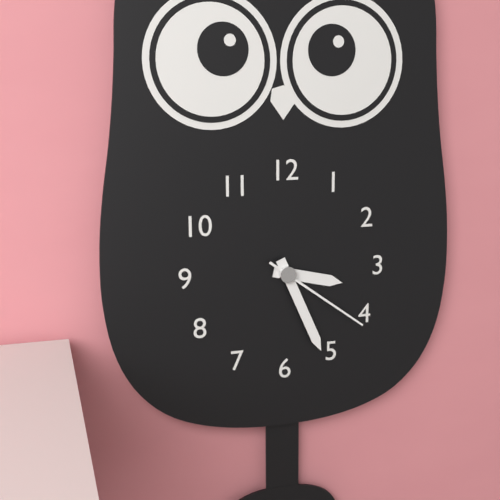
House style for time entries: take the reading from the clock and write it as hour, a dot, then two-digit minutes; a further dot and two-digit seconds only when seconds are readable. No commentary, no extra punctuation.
3.26.21
